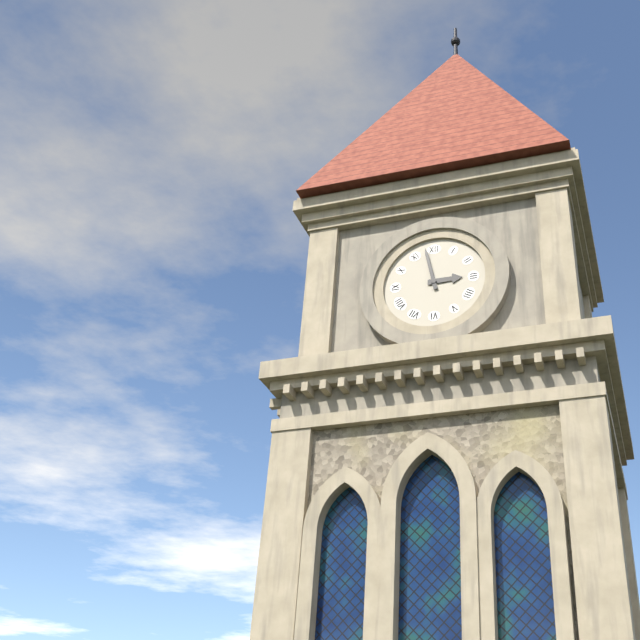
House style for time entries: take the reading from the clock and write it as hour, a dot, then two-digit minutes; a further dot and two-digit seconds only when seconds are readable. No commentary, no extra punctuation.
2.58
